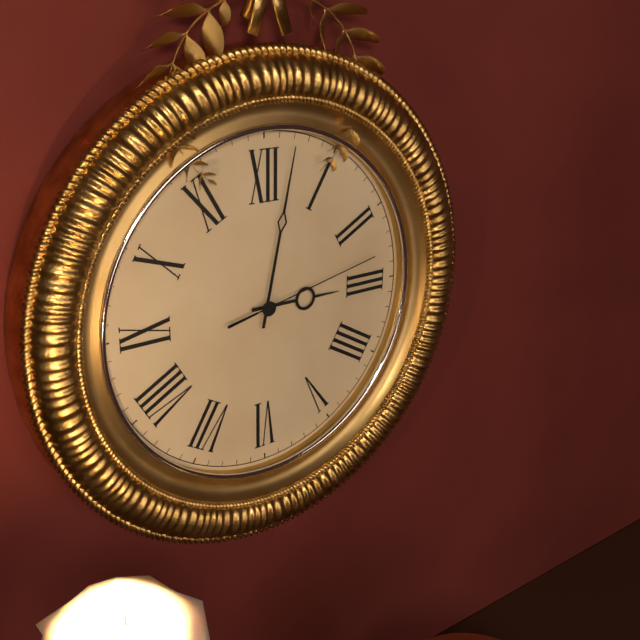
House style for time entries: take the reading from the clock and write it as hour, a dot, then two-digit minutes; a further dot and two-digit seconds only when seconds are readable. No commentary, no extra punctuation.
3.02.13
